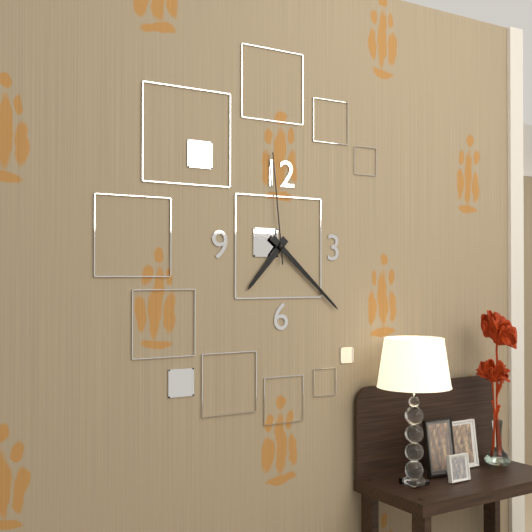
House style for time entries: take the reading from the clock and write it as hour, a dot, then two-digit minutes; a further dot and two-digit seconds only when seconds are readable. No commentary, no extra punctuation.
7.22.59
